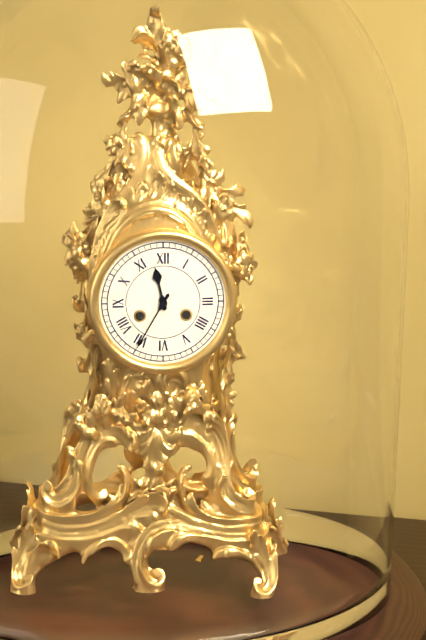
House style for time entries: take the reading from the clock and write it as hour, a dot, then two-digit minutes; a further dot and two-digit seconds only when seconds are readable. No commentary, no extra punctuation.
11.35
